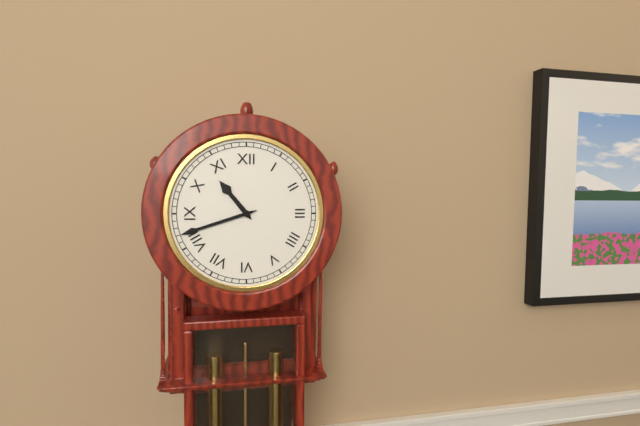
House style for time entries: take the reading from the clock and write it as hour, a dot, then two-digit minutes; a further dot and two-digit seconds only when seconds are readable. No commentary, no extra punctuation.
10.42
